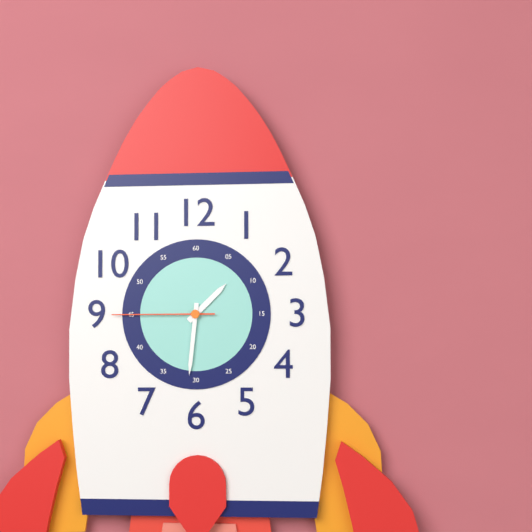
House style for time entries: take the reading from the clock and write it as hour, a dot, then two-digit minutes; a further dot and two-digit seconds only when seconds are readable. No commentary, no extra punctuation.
1.31.45
